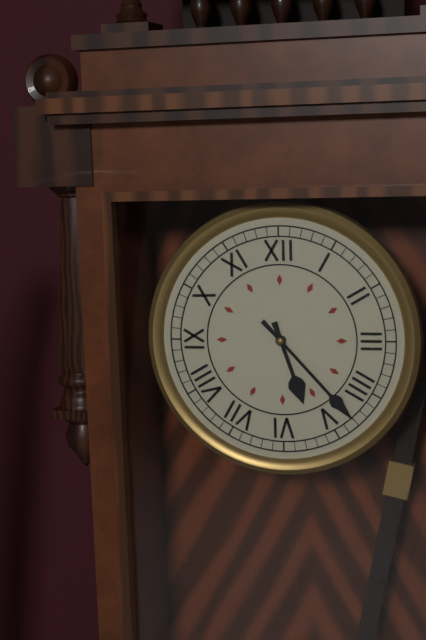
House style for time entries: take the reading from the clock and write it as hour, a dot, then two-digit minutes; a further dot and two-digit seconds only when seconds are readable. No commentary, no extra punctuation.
5.23
